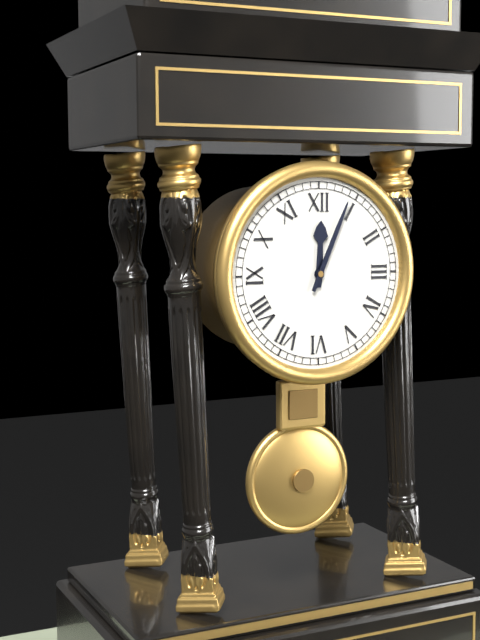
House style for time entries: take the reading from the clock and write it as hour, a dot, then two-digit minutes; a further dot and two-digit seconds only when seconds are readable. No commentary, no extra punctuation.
12.04
